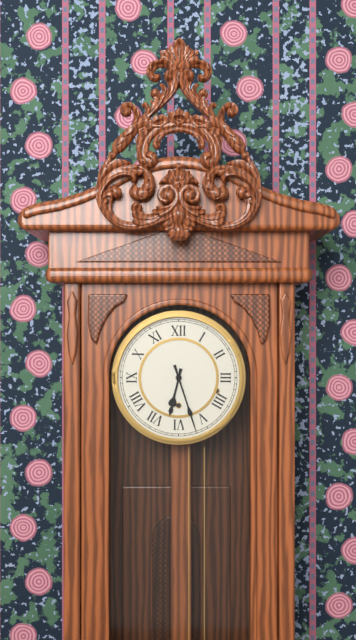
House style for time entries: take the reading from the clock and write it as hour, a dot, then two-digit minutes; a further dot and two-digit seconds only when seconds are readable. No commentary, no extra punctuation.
6.27
